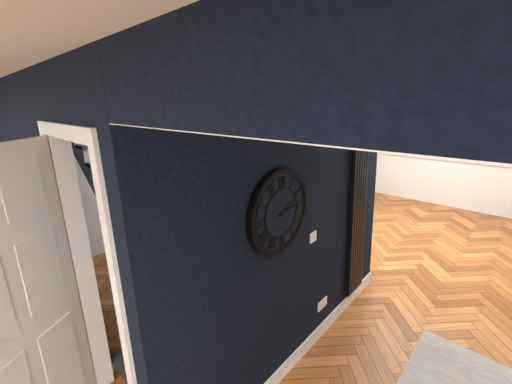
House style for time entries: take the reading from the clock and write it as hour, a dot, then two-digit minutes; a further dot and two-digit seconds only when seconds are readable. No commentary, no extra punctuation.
2.14
